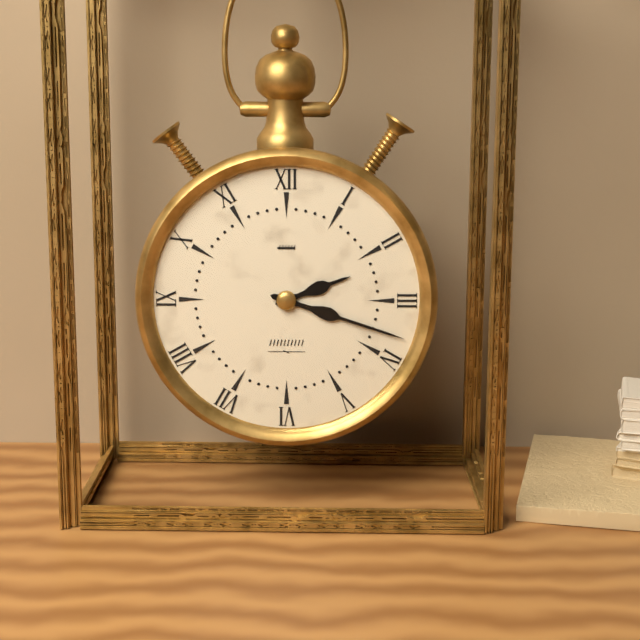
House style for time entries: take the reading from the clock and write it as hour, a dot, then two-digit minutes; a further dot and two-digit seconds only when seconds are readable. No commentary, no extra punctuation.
2.18
